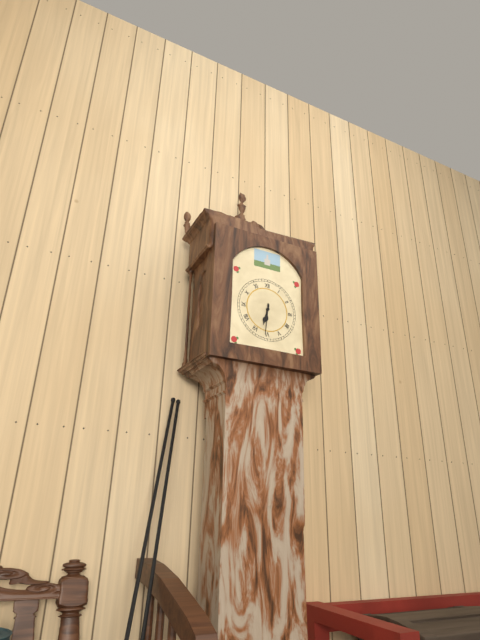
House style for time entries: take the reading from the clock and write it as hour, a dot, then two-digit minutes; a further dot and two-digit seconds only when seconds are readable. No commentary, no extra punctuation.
6.31
